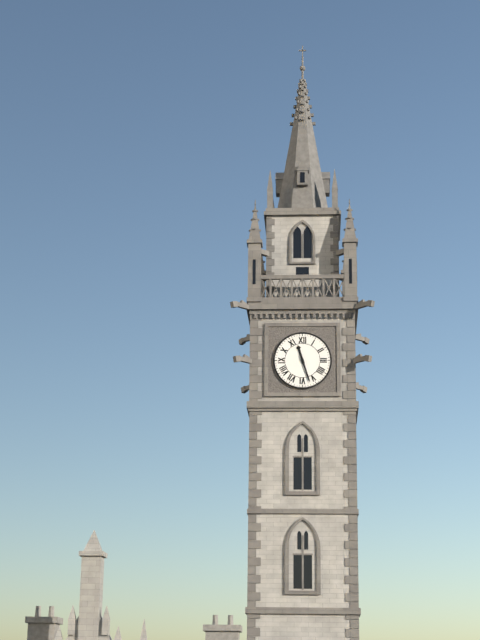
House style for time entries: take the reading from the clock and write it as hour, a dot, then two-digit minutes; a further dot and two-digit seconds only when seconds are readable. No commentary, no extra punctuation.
11.27
